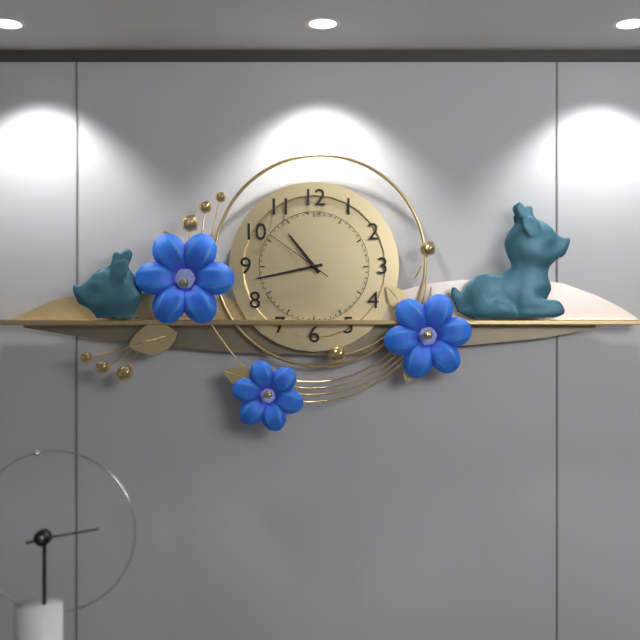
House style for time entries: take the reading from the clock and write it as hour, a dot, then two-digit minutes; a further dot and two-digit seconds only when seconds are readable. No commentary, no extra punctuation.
10.43.51
